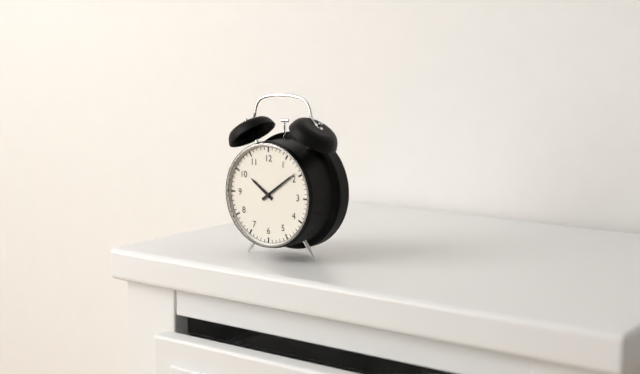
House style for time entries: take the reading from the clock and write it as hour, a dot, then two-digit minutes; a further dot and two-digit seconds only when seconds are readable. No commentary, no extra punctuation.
10.09
